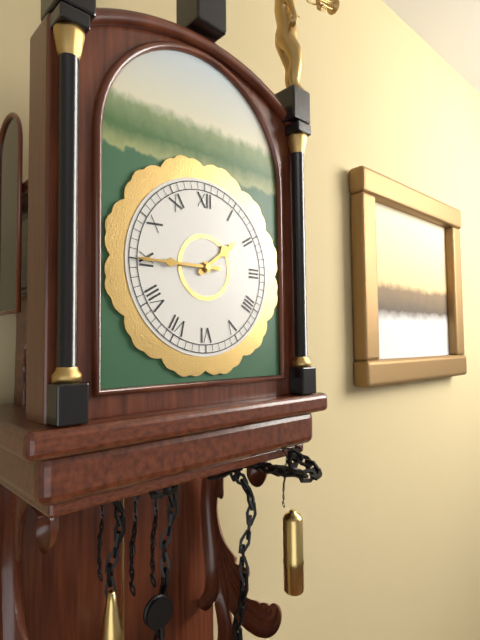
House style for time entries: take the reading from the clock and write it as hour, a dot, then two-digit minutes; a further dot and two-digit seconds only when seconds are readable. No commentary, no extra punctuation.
1.45
